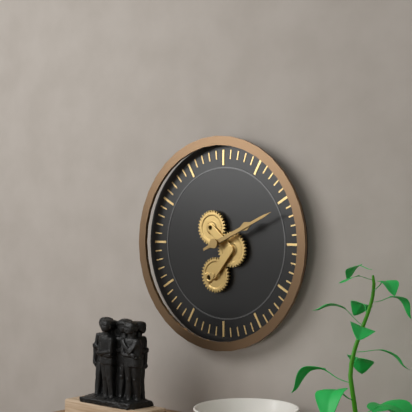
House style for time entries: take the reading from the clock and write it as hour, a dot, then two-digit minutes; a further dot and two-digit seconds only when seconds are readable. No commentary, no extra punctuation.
2.11
